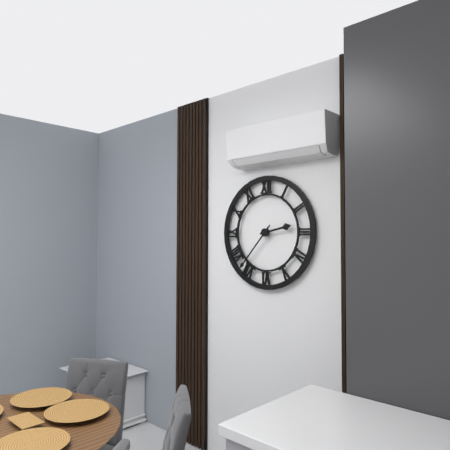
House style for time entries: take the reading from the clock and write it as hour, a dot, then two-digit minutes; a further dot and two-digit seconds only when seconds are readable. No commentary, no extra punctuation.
2.37
